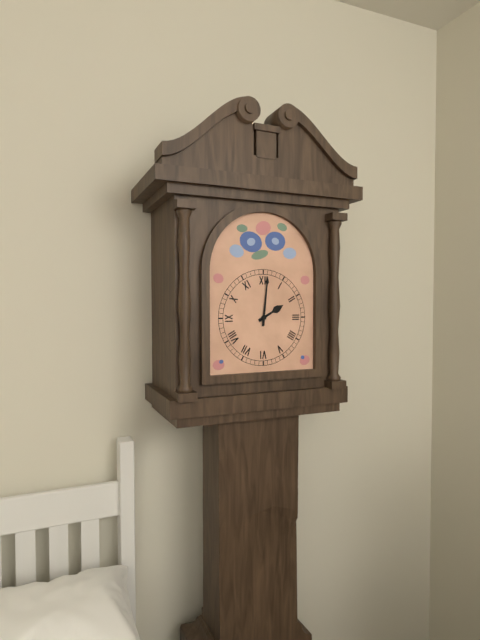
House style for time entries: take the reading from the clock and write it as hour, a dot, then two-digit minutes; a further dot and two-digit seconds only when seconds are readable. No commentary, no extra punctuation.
2.01
